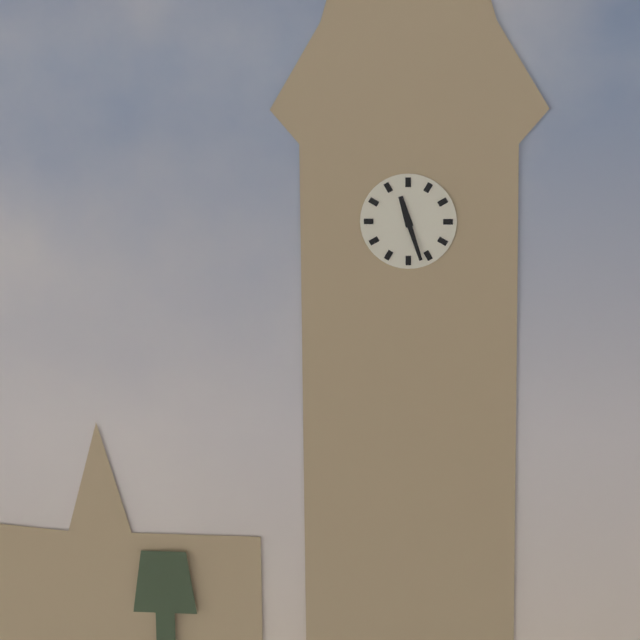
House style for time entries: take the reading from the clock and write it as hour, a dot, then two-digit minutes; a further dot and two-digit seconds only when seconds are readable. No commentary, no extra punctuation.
11.27
